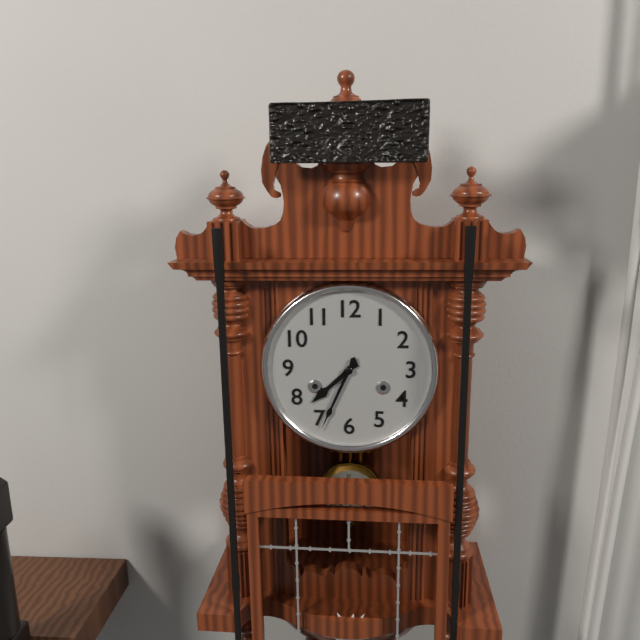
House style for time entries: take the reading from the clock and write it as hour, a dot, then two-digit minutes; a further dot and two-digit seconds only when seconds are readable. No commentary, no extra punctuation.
7.34
